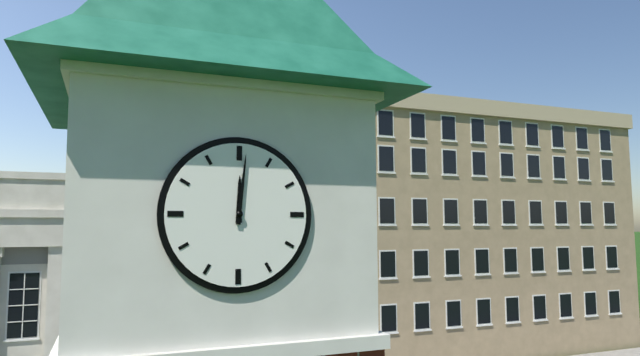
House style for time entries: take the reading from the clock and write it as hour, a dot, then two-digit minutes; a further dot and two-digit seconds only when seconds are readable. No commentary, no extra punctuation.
12.01
